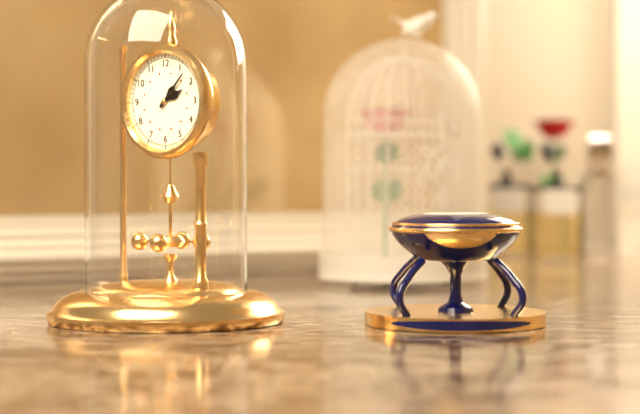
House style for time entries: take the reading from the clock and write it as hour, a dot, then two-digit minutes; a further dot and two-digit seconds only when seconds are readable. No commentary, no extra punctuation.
2.07
